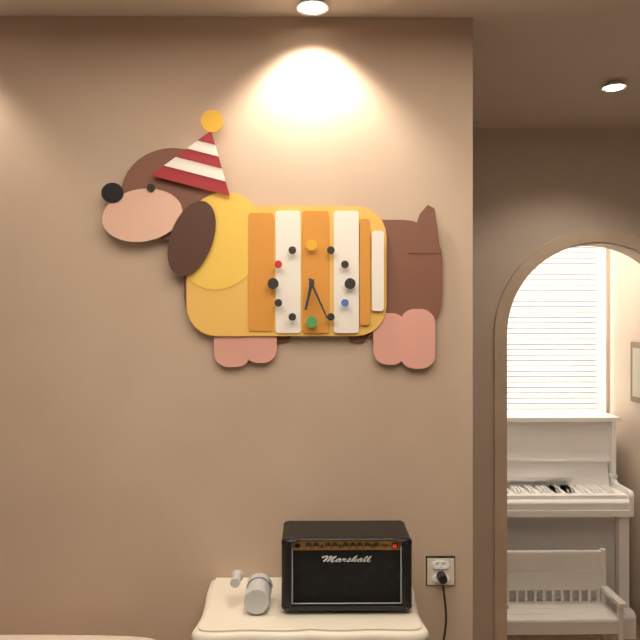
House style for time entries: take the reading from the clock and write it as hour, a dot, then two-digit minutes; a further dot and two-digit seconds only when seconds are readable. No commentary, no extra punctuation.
6.26
